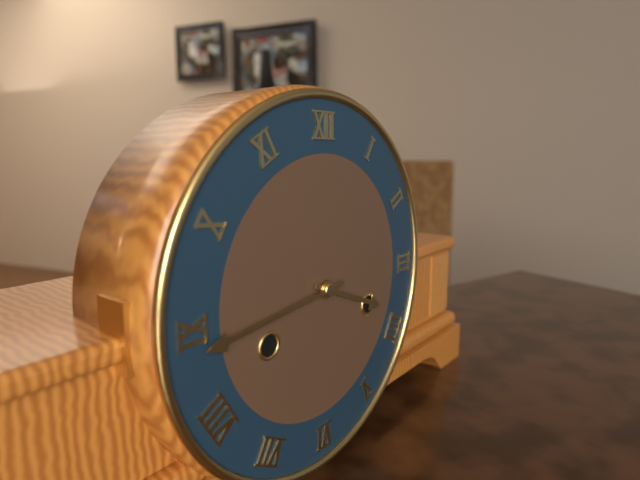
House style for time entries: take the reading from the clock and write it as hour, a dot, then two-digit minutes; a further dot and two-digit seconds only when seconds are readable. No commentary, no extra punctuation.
3.44
